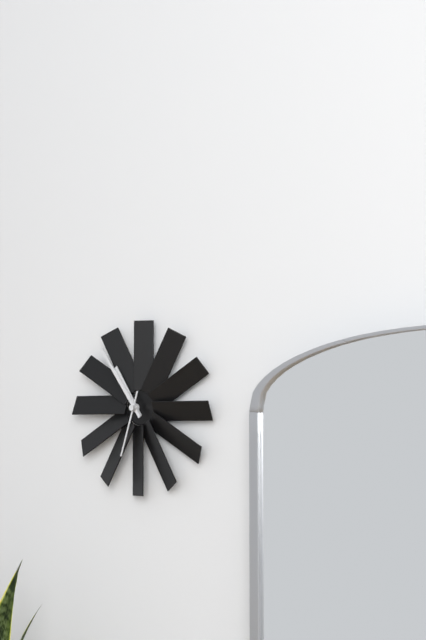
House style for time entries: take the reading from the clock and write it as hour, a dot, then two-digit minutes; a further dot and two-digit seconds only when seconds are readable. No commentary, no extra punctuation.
10.54.33
